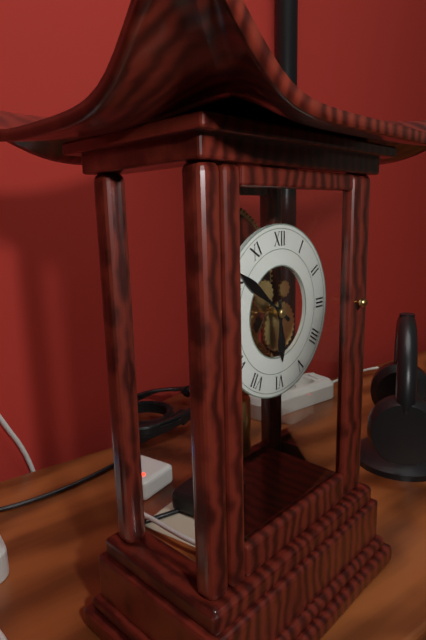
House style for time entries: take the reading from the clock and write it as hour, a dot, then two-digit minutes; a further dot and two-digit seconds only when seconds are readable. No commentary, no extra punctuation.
5.51
